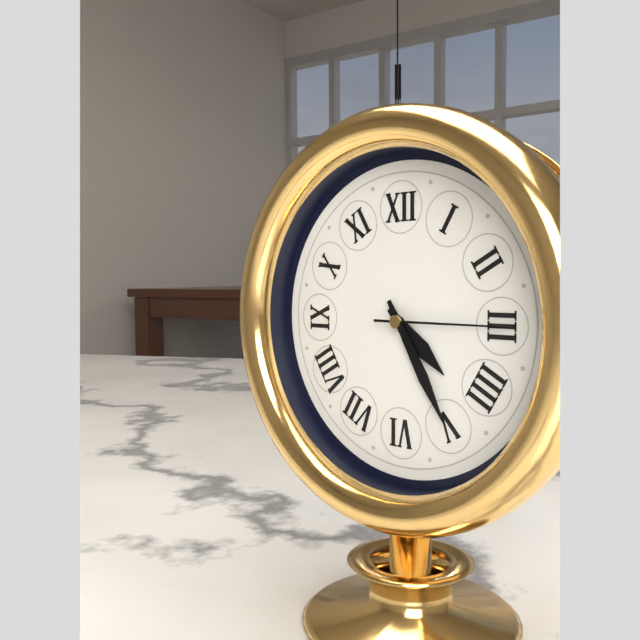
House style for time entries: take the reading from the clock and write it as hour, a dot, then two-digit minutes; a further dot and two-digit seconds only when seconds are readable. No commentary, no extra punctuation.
4.25.15
